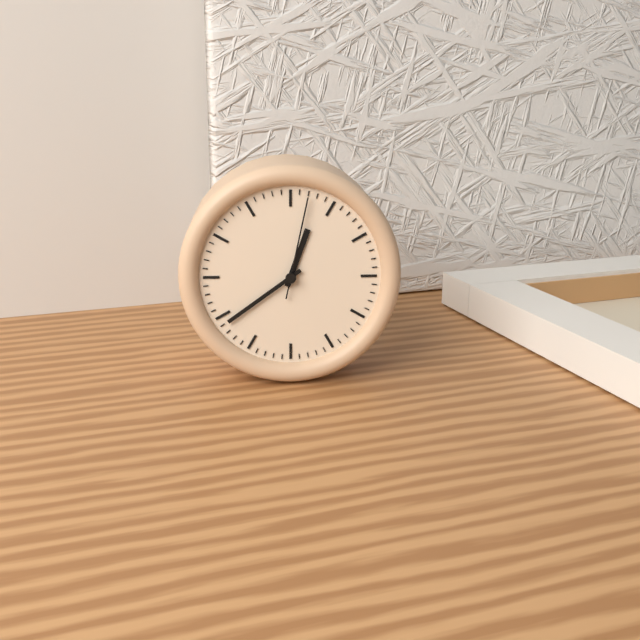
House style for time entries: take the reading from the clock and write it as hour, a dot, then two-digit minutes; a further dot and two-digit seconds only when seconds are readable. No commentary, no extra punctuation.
12.39.02
